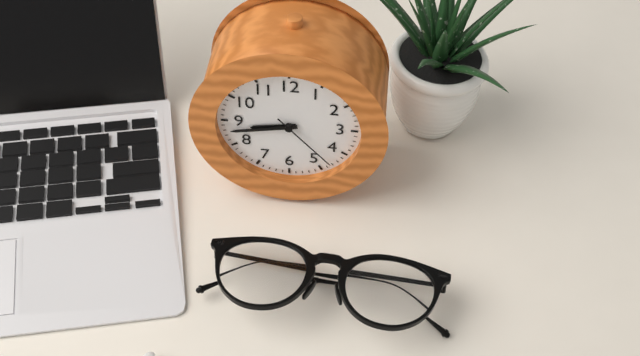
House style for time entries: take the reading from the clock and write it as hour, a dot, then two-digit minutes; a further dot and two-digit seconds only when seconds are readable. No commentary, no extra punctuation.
8.43.23
